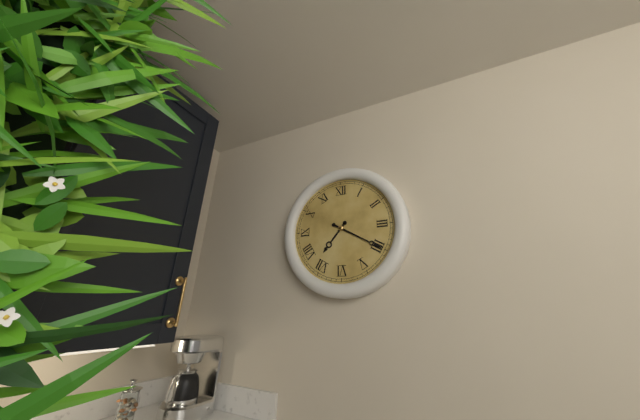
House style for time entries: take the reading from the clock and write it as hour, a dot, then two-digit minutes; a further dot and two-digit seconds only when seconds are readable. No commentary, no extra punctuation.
7.20
